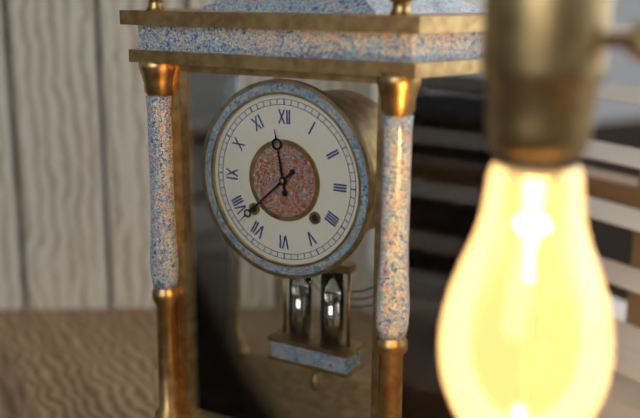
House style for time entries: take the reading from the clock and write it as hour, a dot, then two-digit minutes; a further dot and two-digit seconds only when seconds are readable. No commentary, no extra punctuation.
11.38
